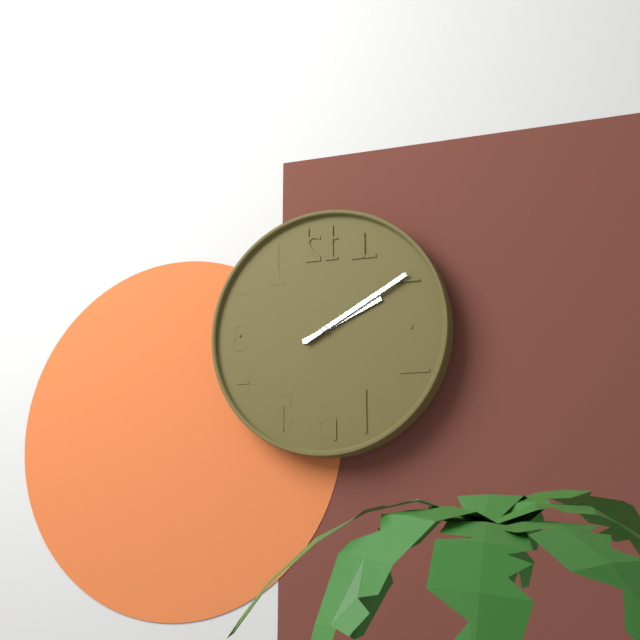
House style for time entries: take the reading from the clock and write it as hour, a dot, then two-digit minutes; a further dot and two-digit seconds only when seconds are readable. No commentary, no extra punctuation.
2.10
